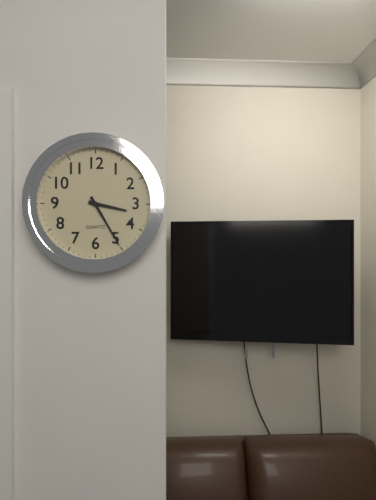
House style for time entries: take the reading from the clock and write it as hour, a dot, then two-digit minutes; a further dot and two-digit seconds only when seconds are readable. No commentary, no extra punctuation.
3.25
